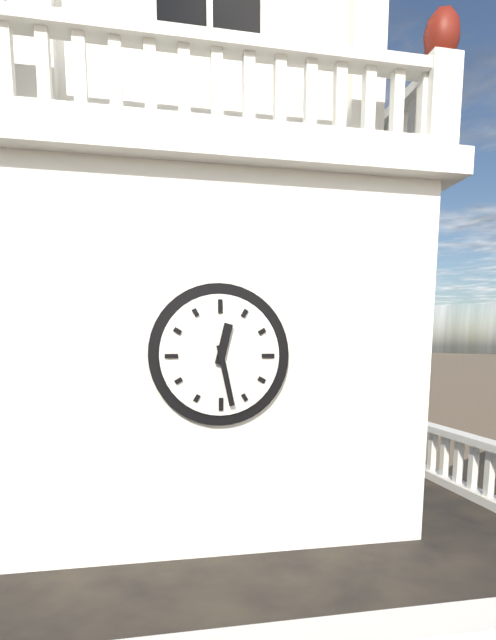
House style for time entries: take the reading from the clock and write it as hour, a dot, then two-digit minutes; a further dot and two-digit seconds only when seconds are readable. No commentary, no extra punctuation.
12.28
